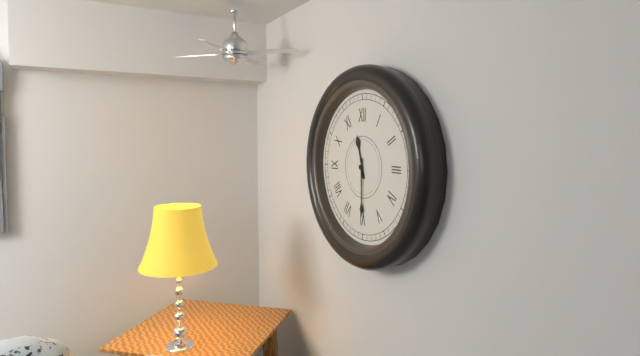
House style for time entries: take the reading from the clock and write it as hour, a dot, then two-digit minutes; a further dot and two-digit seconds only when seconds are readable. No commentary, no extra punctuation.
11.30
